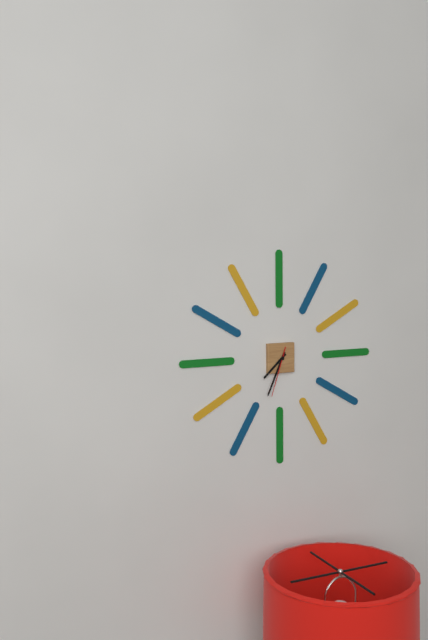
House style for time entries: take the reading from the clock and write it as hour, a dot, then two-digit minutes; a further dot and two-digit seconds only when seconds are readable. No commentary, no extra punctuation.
7.34
